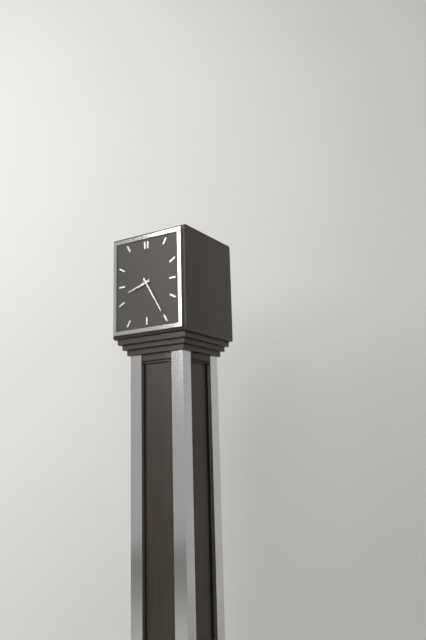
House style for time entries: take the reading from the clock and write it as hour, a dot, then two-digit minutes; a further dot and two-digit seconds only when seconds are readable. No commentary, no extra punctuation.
8.25
